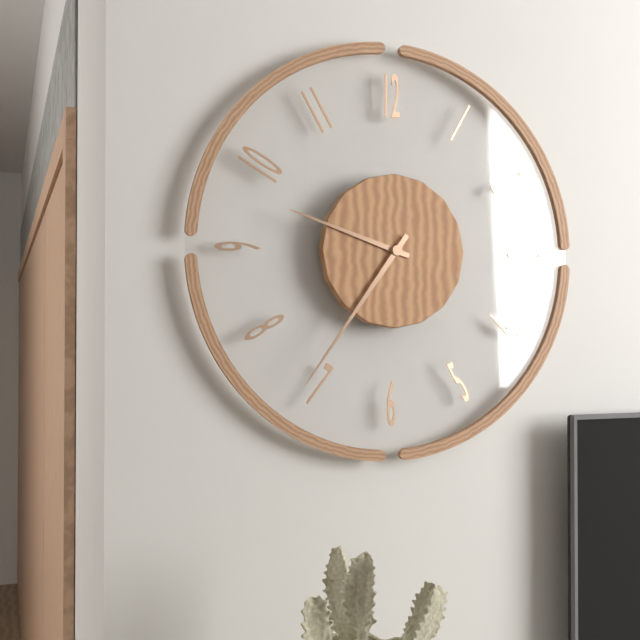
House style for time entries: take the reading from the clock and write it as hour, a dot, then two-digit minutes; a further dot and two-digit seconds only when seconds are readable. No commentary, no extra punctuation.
9.36
